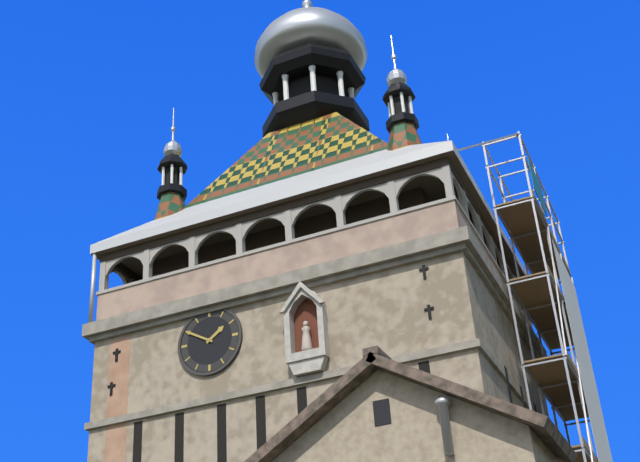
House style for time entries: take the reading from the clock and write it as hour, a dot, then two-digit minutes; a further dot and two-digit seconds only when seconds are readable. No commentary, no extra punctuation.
1.50
